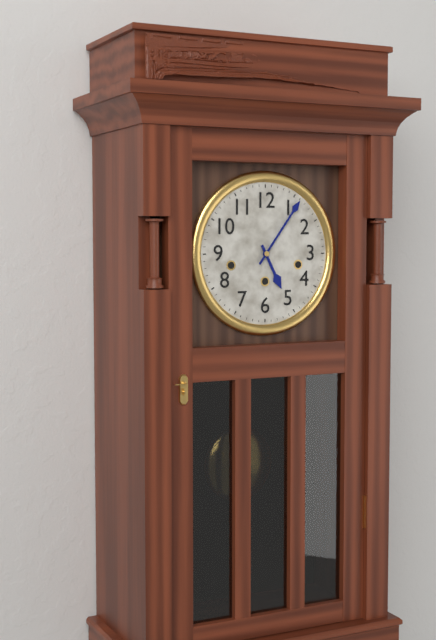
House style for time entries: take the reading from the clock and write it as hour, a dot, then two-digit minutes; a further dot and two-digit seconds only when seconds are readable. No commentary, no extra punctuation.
5.06
